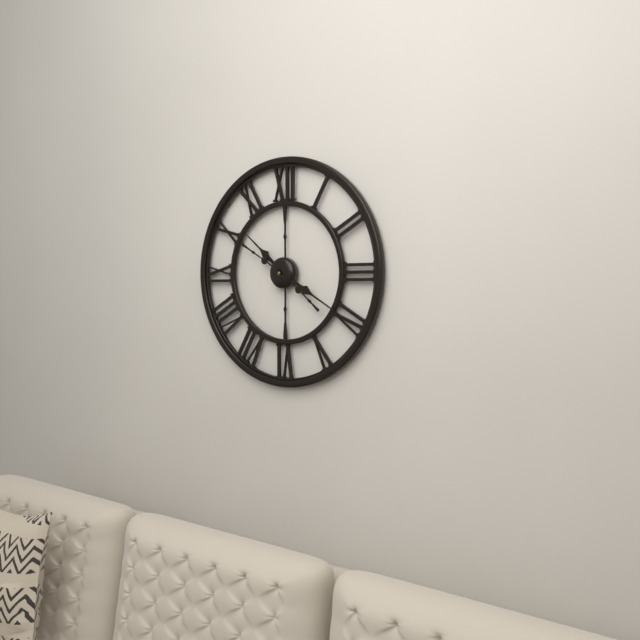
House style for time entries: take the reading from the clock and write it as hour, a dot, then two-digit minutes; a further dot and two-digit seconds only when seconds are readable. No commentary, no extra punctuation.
10.20
